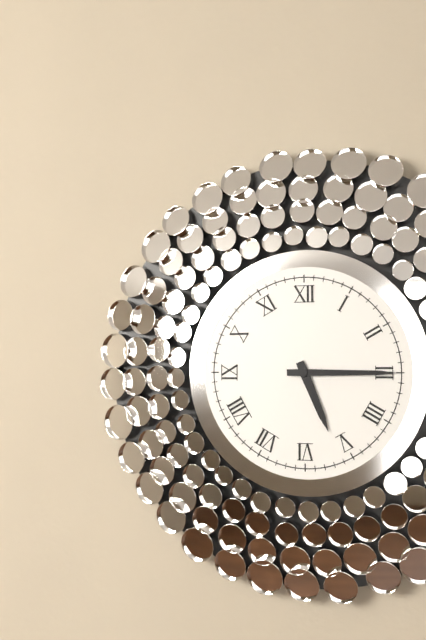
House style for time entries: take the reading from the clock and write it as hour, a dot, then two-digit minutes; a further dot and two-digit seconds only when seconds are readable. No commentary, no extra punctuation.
5.15
